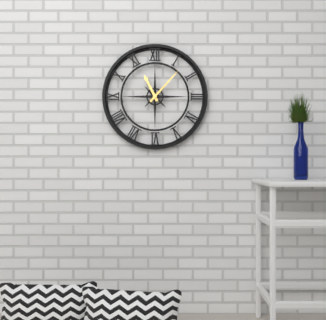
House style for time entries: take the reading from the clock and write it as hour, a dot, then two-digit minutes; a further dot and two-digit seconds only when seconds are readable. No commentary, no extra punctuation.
11.07
